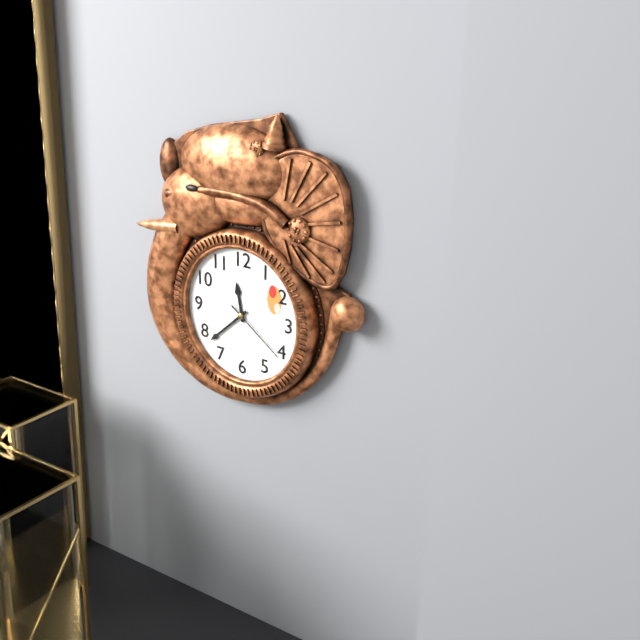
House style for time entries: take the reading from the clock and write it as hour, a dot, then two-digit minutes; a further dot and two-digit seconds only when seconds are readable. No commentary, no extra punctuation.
11.38.21
